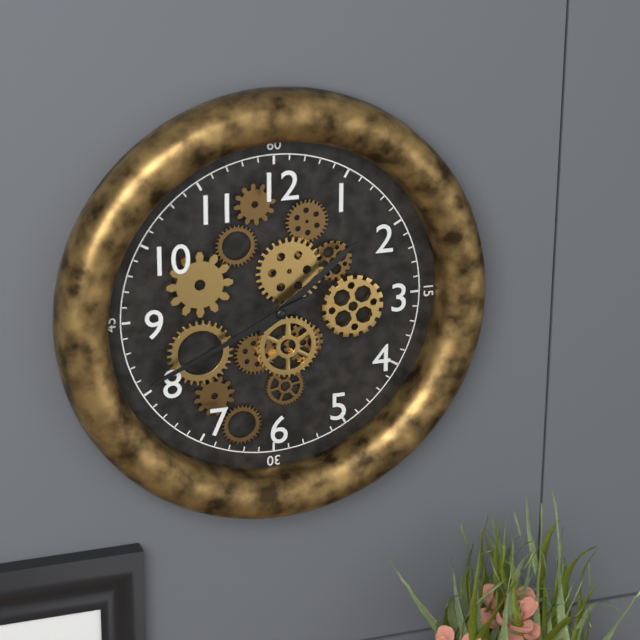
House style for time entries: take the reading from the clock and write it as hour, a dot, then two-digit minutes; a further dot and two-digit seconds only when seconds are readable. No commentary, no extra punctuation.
1.41
